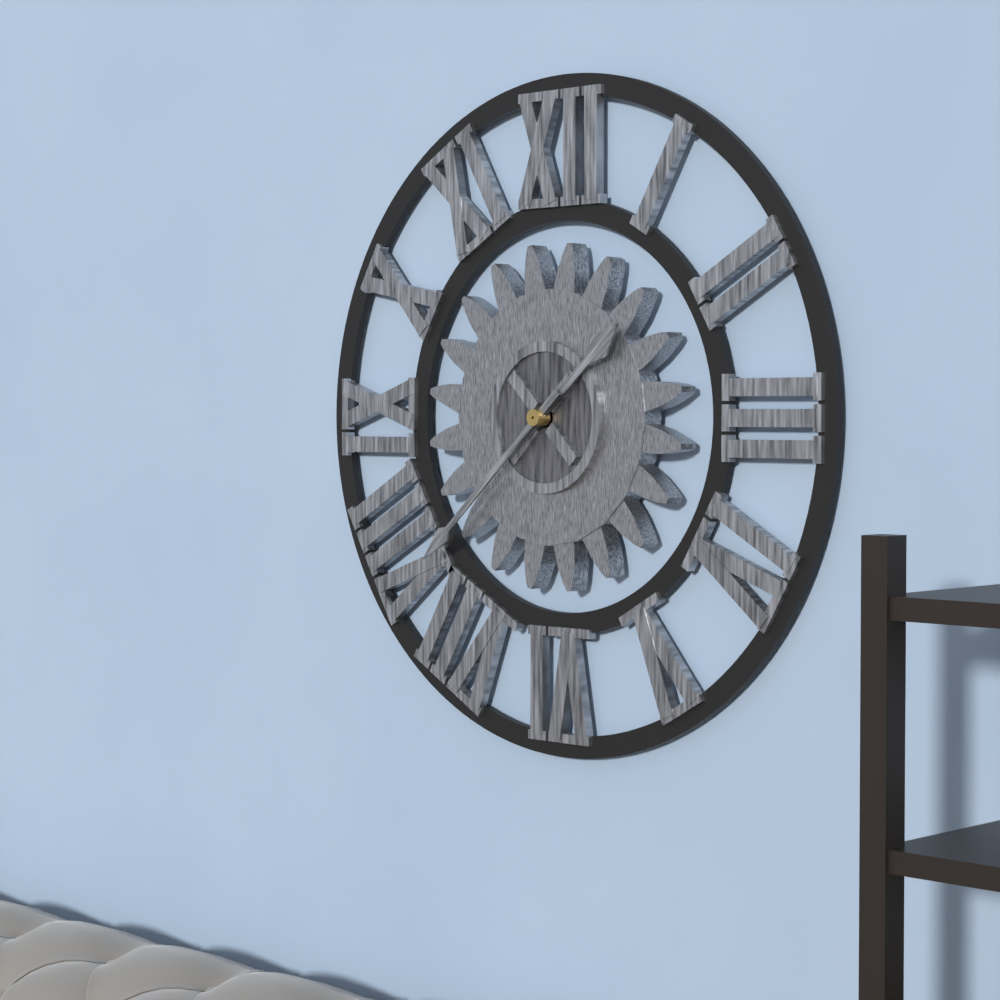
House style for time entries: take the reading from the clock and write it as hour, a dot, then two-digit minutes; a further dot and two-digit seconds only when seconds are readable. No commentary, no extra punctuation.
1.38
